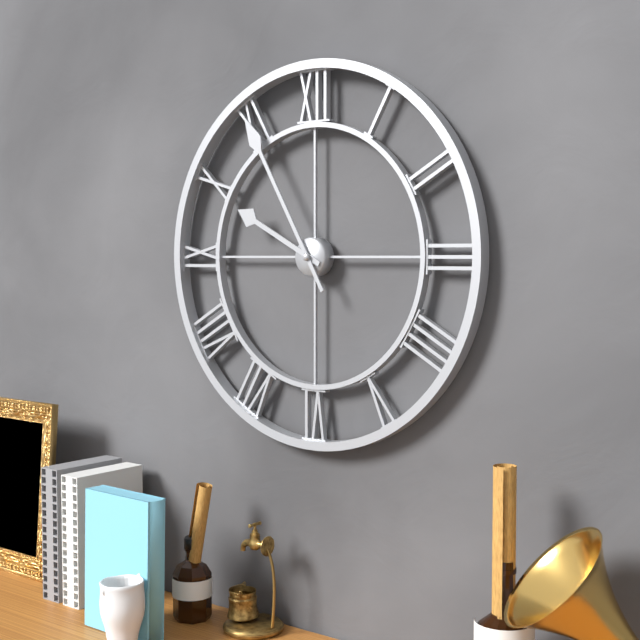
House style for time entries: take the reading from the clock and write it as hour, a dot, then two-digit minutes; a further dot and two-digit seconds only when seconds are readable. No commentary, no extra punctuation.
9.55
